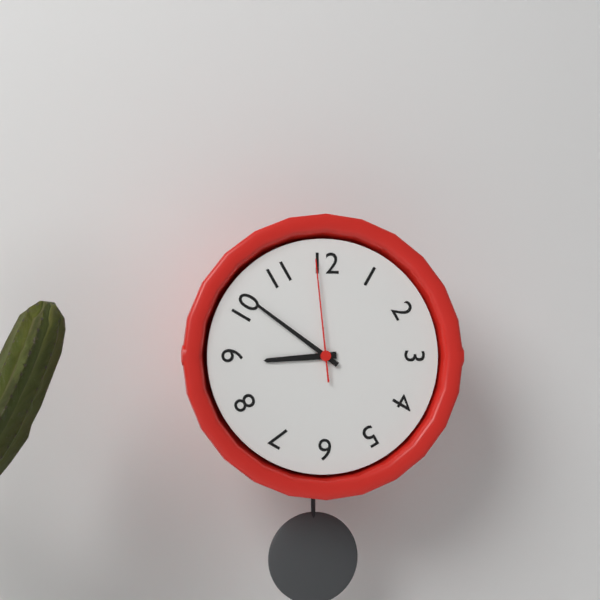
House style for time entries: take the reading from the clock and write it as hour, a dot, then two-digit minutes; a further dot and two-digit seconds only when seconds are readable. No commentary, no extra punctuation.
8.51.59
